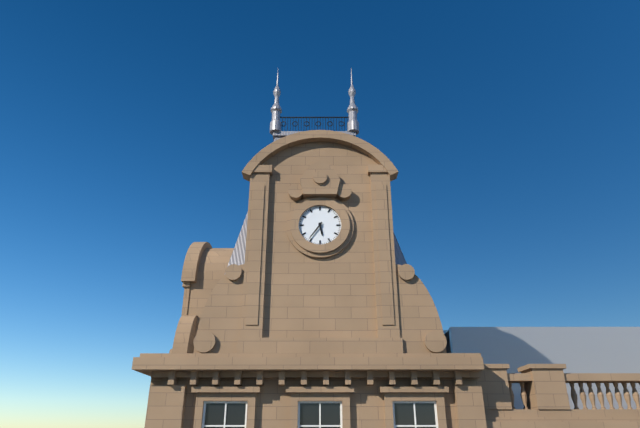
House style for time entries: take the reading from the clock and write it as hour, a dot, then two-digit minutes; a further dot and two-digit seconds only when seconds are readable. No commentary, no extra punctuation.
5.36
